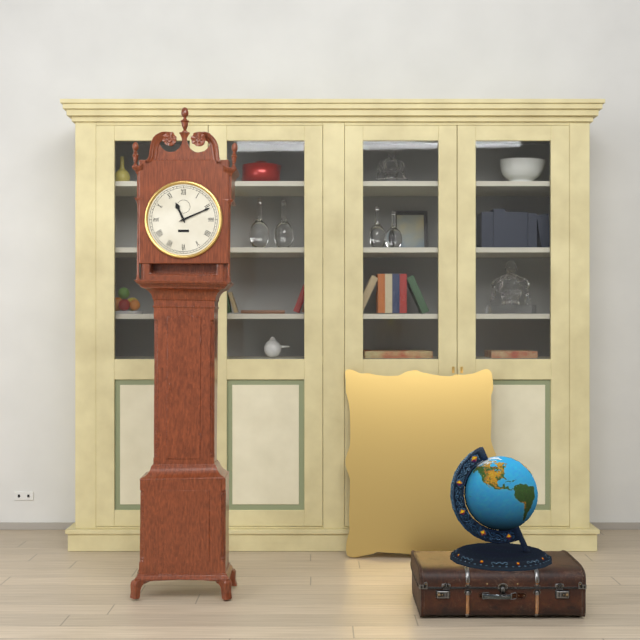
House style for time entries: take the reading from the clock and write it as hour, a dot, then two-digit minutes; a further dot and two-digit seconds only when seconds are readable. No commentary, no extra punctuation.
11.11
